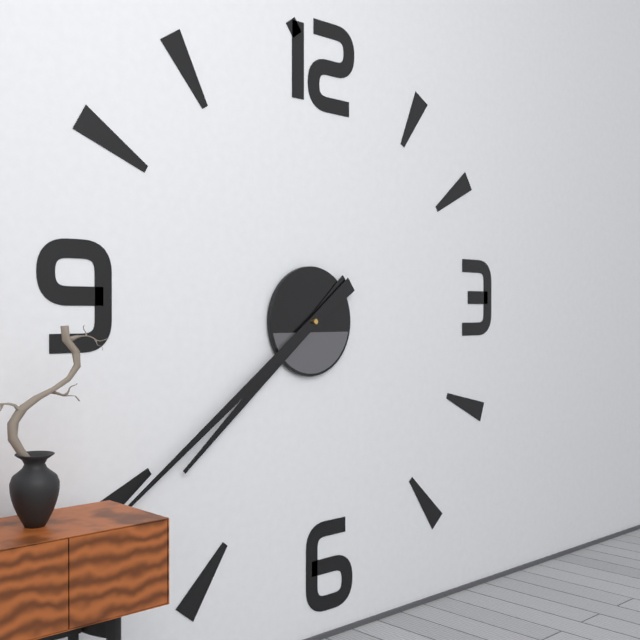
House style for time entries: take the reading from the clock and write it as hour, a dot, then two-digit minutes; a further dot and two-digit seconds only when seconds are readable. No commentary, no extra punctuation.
7.39
